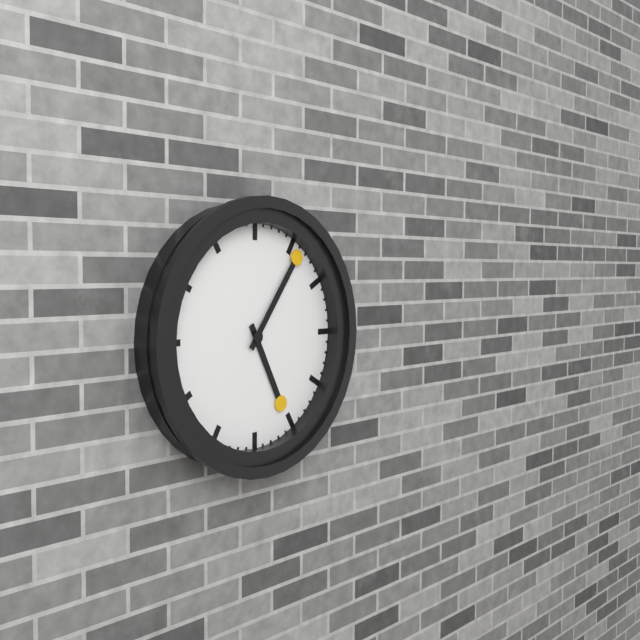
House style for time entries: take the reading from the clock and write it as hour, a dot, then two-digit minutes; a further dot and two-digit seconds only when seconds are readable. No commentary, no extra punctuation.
5.06
